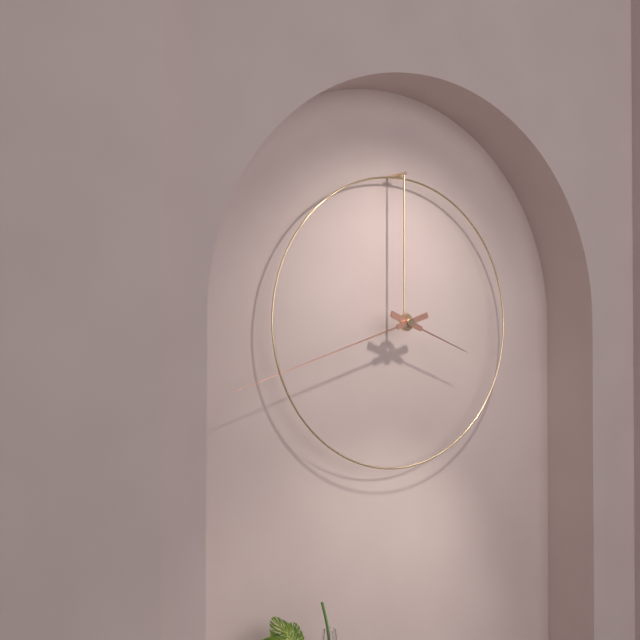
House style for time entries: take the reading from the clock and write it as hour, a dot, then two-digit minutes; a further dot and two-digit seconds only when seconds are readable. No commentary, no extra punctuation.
3.42
